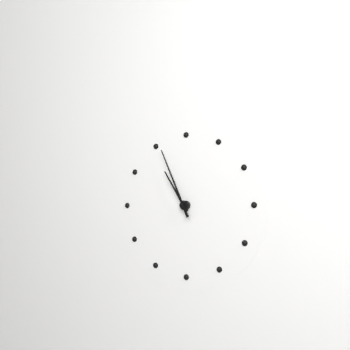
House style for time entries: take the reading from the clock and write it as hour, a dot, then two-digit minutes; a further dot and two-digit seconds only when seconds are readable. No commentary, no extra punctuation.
10.56
